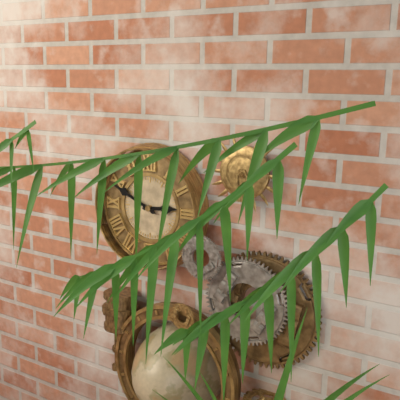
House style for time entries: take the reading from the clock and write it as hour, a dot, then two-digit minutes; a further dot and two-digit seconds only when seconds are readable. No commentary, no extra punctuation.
2.49
